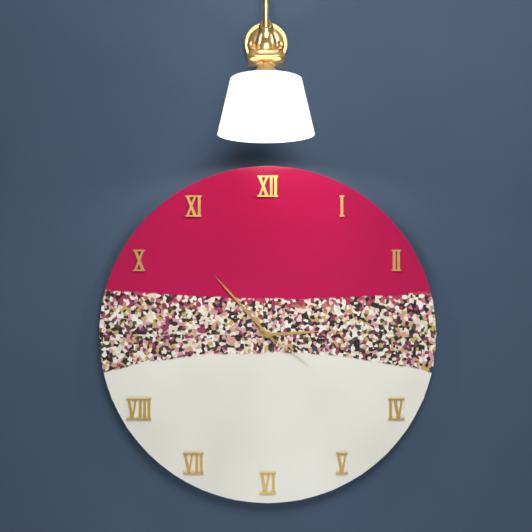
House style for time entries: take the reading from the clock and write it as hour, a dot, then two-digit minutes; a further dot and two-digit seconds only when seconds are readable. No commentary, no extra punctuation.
2.53.21
